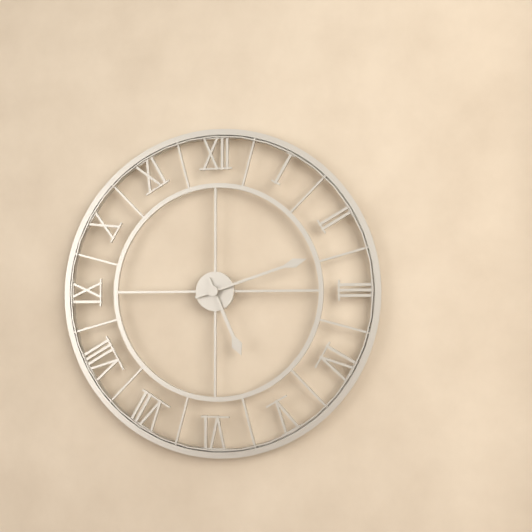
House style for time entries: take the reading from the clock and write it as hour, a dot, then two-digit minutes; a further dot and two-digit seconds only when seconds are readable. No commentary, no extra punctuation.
5.12
